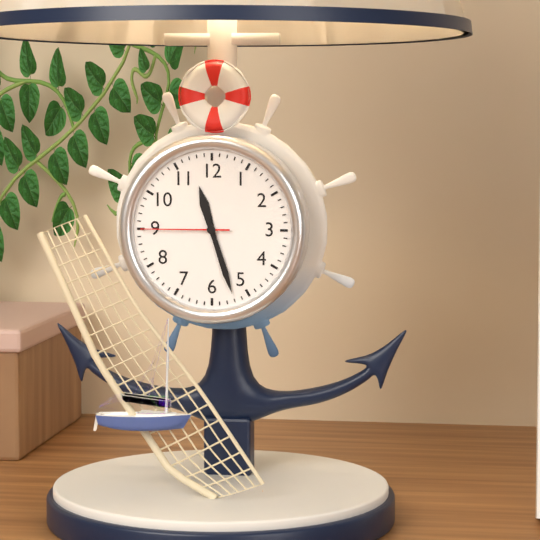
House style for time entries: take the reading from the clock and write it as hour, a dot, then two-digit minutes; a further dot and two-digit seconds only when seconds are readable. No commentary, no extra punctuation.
11.27.45
